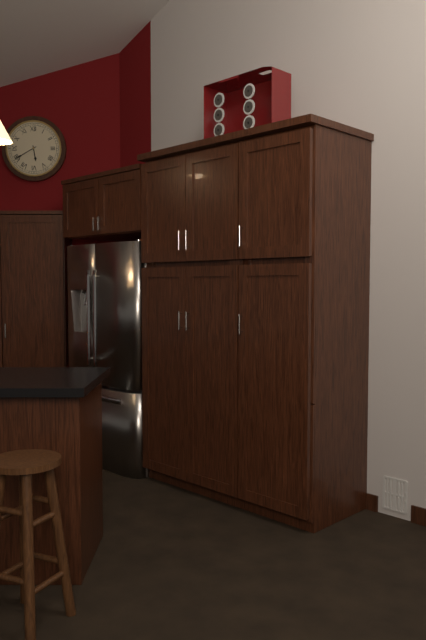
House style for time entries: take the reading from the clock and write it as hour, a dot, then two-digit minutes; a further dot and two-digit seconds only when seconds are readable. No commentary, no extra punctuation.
5.40
